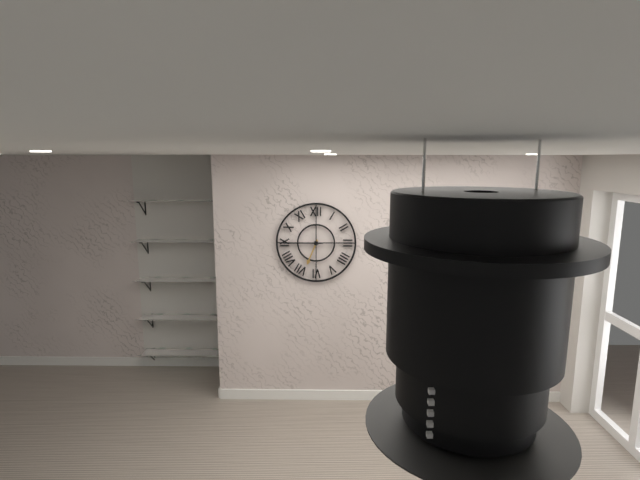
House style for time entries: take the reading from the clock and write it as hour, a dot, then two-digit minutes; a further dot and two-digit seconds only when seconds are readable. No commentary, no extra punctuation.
6.45
